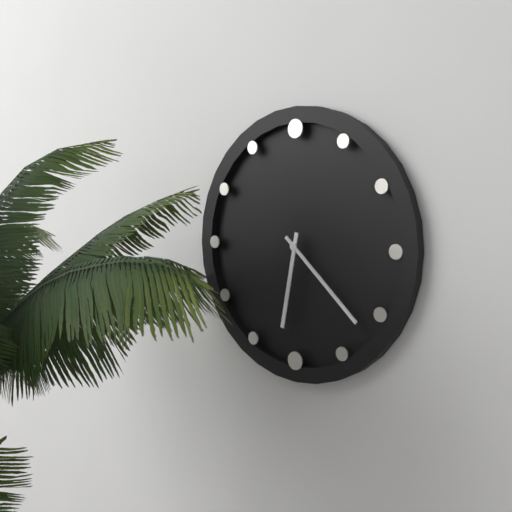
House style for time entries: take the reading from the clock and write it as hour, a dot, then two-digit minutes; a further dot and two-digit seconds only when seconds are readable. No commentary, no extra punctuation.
6.22
